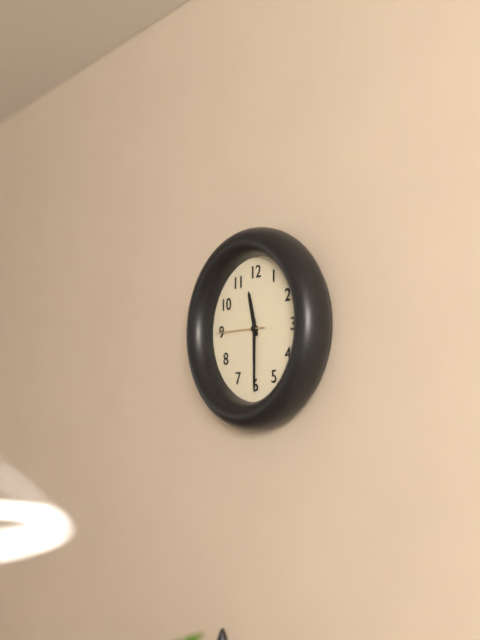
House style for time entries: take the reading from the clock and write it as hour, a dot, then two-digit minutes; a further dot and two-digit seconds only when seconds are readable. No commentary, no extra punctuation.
11.30
